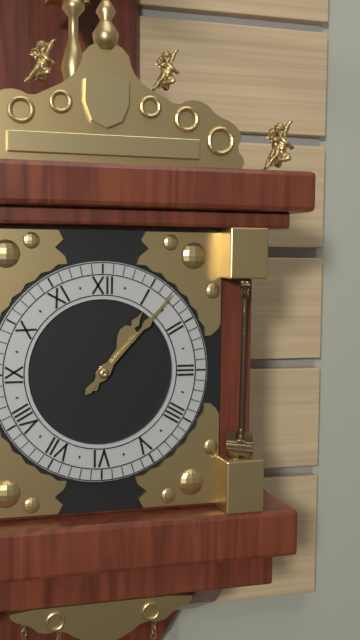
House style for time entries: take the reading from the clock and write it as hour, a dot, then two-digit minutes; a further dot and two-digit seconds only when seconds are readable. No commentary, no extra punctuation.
1.07
